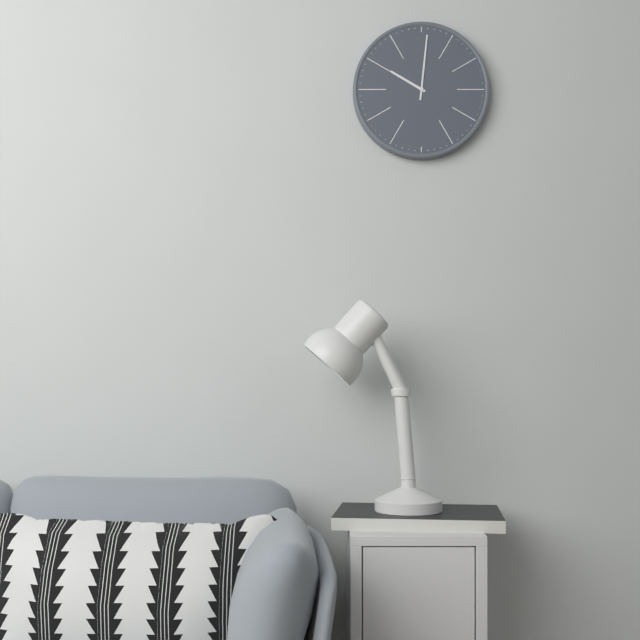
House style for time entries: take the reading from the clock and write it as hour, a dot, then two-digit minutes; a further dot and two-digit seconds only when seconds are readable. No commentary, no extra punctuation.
10.01
